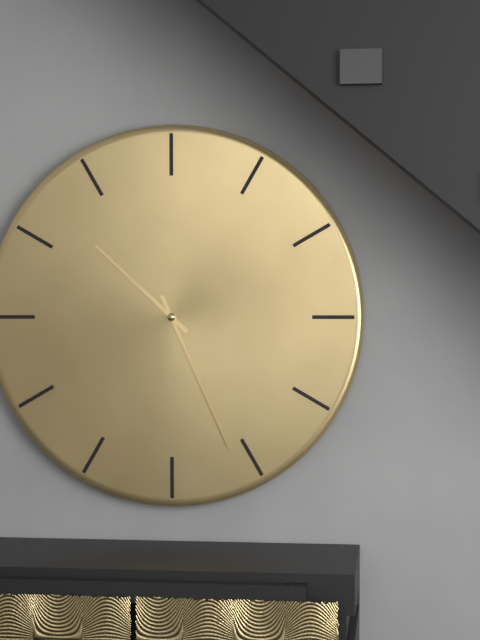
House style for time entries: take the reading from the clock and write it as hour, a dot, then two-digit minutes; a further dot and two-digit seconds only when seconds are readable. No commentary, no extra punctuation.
10.26
